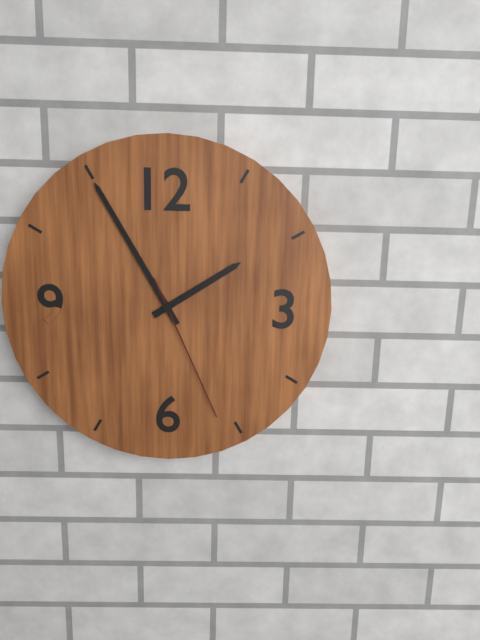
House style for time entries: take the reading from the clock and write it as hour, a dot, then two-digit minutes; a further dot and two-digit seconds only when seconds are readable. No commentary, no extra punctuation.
1.55.26
